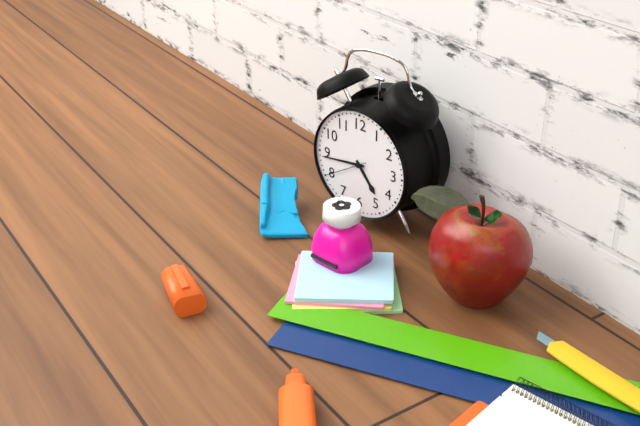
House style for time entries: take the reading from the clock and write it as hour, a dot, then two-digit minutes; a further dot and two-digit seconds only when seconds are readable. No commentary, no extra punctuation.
4.44
